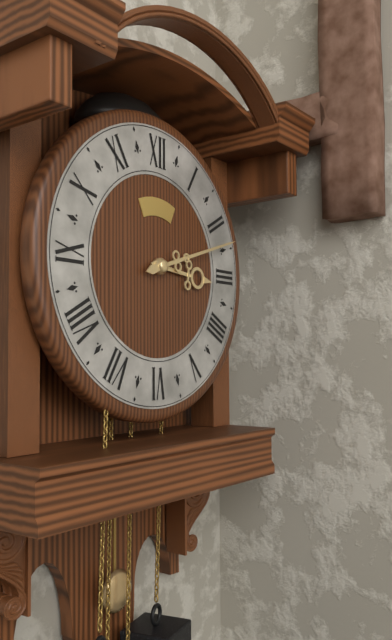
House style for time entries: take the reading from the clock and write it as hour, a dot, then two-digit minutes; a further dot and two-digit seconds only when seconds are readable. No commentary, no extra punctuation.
3.12
